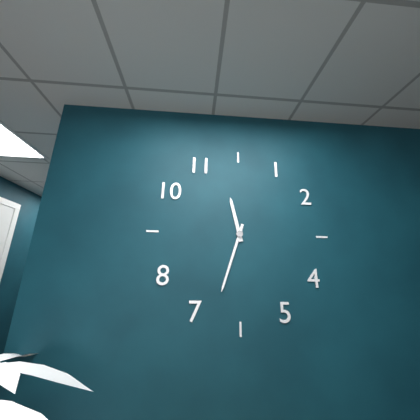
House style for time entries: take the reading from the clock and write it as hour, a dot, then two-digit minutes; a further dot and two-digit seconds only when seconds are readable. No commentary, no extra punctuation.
11.33
